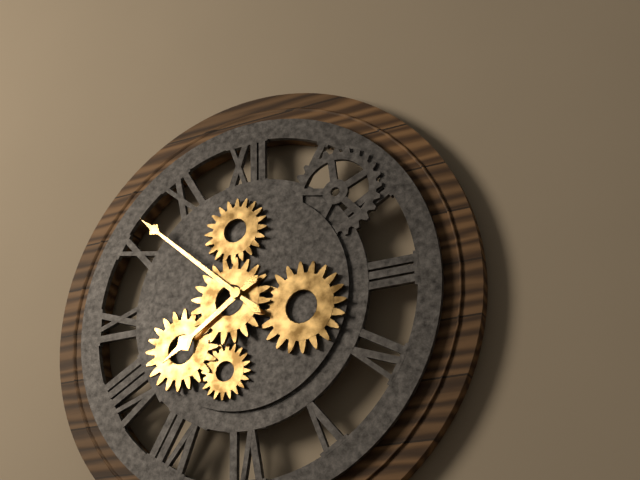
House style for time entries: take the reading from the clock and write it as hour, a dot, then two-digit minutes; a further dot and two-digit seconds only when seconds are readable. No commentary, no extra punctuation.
7.52
